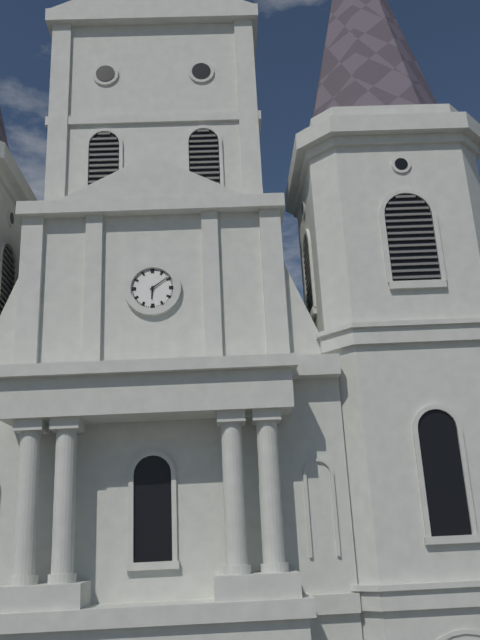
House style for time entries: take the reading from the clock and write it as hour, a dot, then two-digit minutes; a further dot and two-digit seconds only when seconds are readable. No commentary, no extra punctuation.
6.09
